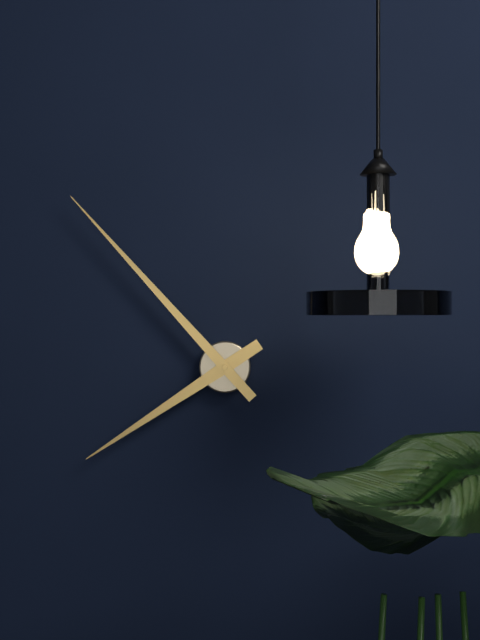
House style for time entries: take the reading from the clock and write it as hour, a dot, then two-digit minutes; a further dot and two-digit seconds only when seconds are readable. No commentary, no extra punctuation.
7.53
